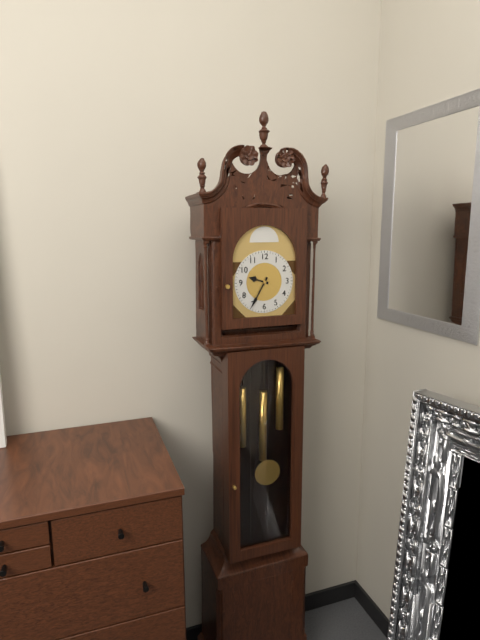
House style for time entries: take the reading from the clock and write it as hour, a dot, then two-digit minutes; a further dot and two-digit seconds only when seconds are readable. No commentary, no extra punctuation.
9.35
